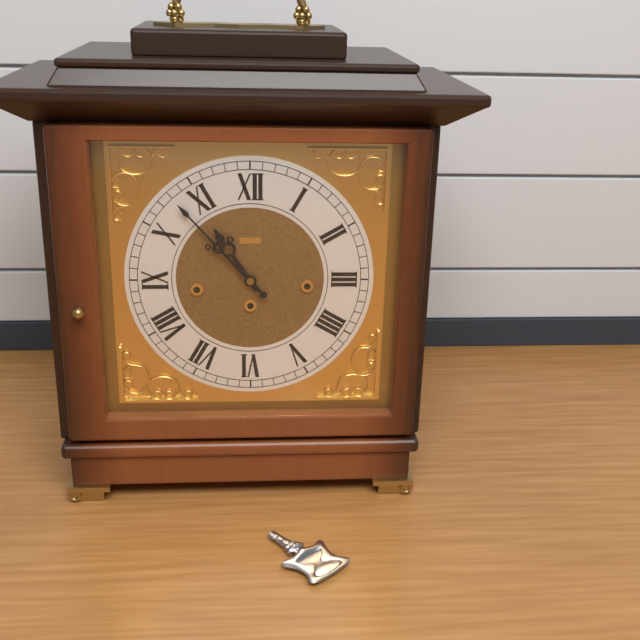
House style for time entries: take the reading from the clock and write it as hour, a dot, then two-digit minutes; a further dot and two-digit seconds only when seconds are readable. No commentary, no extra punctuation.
10.53
